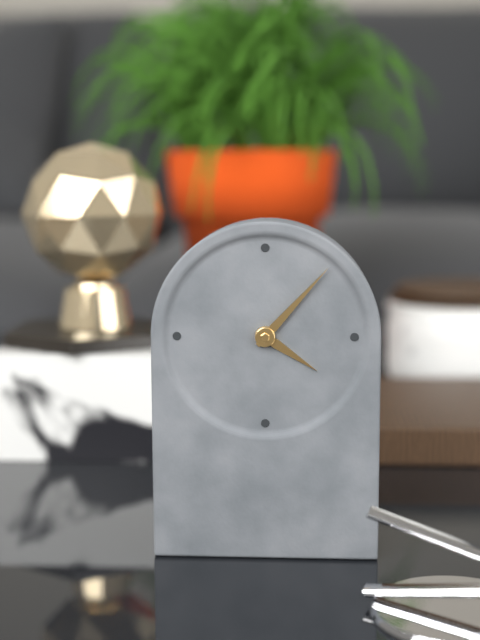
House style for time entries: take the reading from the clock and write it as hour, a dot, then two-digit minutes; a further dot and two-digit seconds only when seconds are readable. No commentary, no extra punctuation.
4.07
